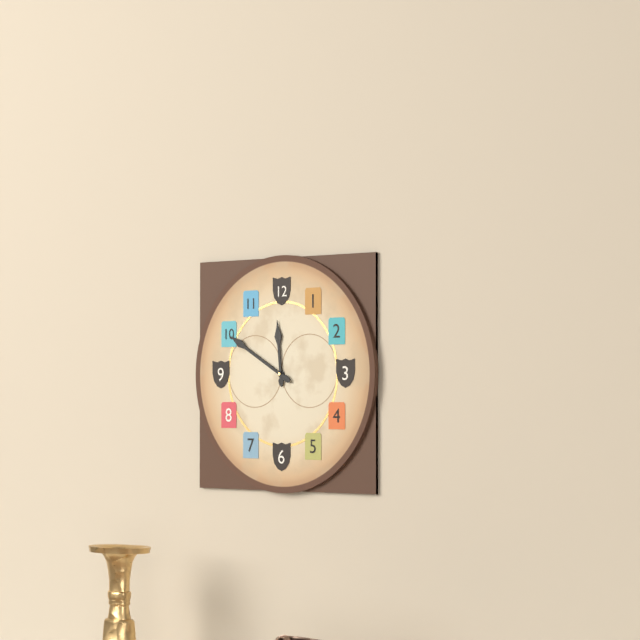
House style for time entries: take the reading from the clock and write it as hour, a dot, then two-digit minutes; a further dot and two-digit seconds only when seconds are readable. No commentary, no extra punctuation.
11.50
